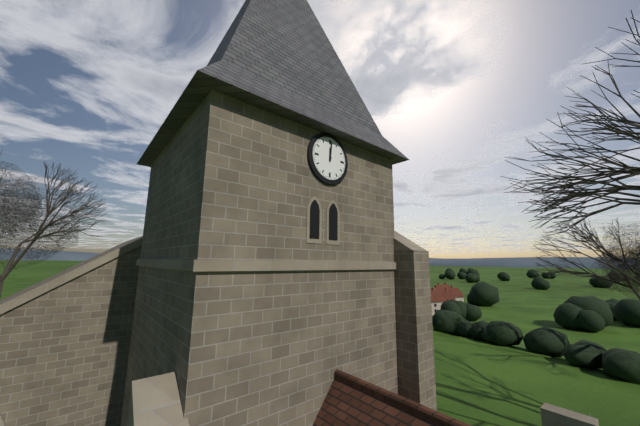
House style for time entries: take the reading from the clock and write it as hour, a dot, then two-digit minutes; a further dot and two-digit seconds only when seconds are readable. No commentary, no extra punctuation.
12.01
